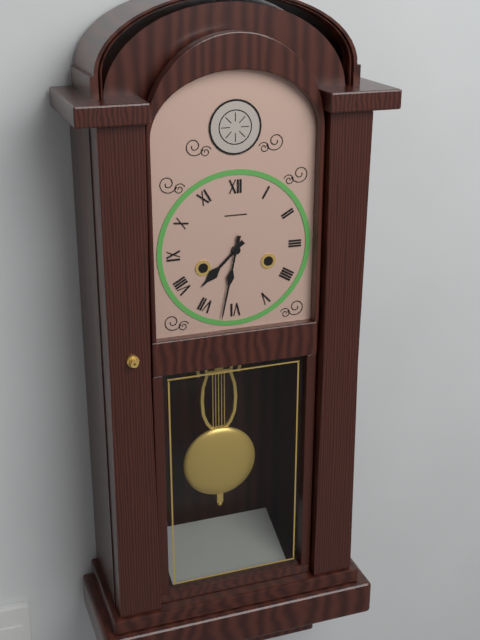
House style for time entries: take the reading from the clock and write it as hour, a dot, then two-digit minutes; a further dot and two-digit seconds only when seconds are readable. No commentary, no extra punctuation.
7.32
